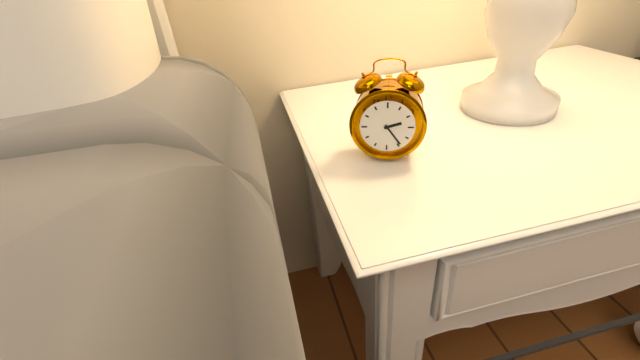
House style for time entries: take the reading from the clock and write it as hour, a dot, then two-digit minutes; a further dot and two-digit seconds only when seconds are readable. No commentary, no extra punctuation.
2.24
